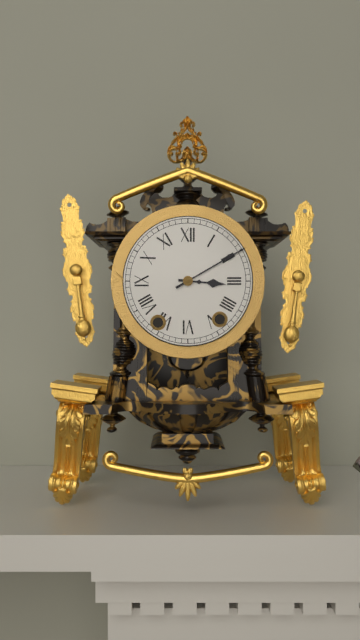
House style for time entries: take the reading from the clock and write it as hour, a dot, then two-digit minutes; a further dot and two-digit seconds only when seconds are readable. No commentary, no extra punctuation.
3.10
